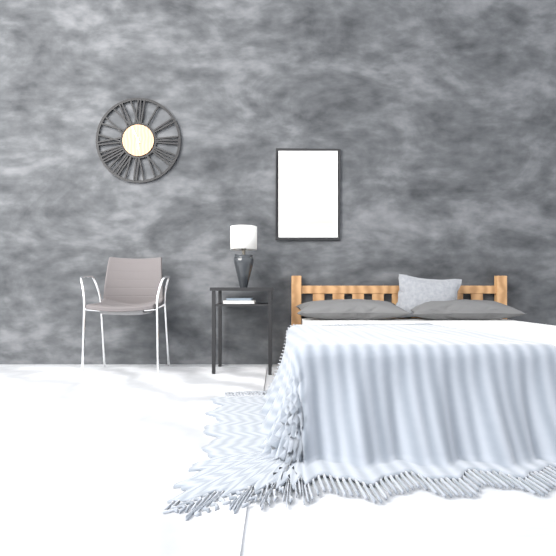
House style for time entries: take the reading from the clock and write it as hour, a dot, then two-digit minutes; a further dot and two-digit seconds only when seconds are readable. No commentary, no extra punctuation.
5.56
